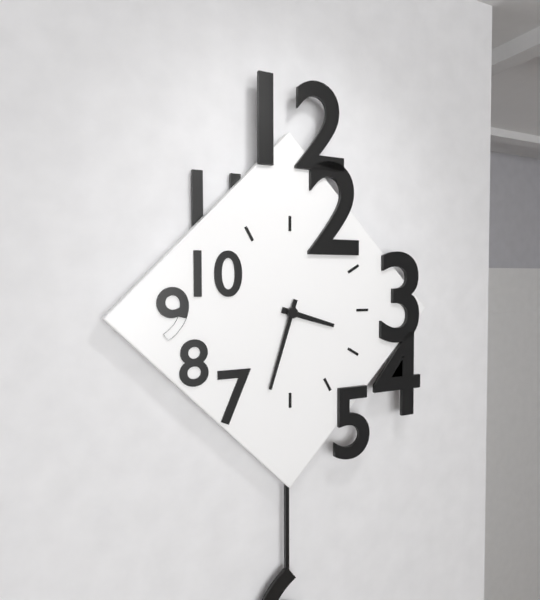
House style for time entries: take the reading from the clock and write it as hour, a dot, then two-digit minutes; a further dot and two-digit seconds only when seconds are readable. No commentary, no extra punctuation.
3.33
